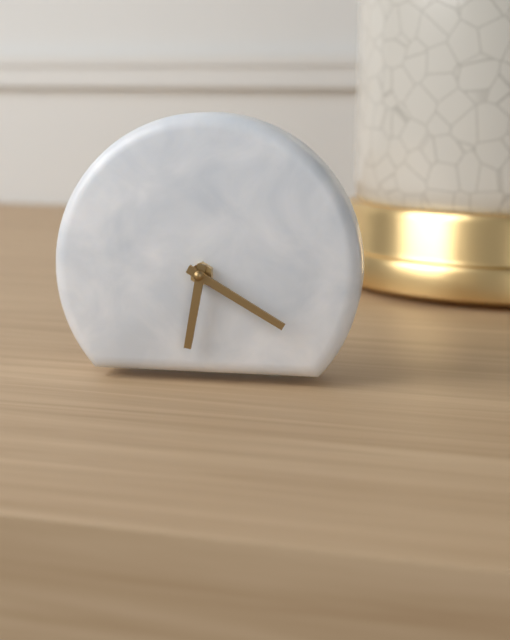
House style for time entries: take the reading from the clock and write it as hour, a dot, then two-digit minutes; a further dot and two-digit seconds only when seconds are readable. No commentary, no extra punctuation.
6.20
